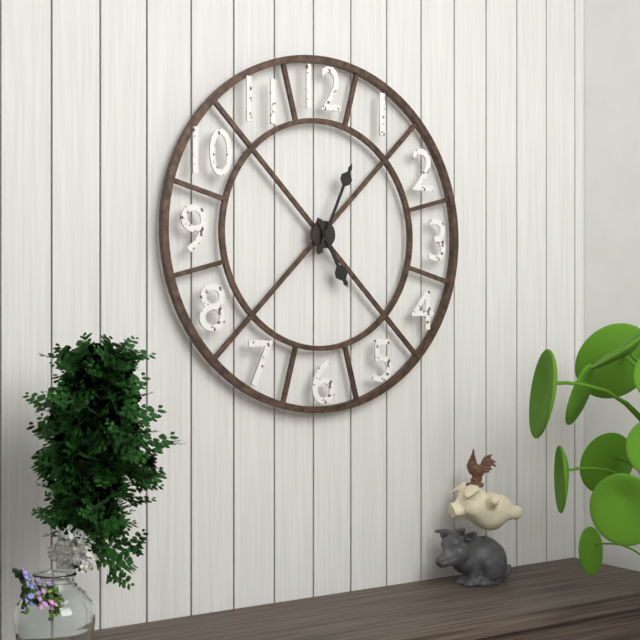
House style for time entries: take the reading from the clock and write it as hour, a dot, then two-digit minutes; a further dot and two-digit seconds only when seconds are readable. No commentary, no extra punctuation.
5.04
